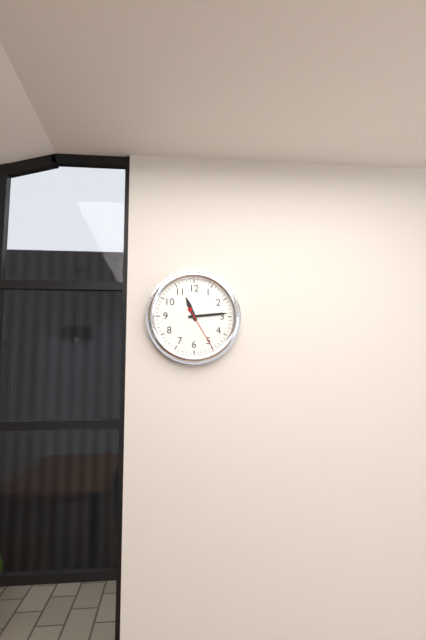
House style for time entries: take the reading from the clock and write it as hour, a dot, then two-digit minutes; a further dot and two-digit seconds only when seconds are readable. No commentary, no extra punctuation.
11.14
